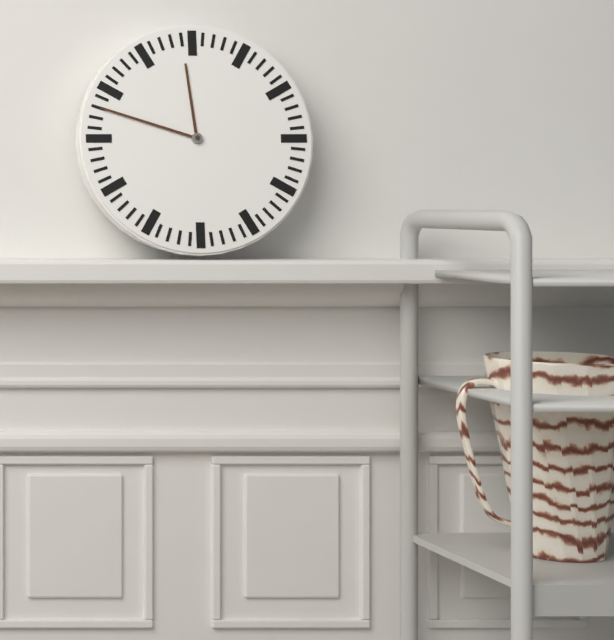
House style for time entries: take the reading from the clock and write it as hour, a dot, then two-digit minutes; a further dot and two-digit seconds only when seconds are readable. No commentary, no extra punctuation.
11.48
